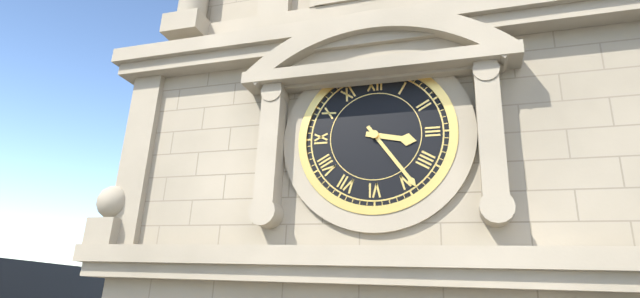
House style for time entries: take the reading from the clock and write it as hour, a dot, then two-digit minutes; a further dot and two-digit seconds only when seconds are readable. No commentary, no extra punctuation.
3.24
